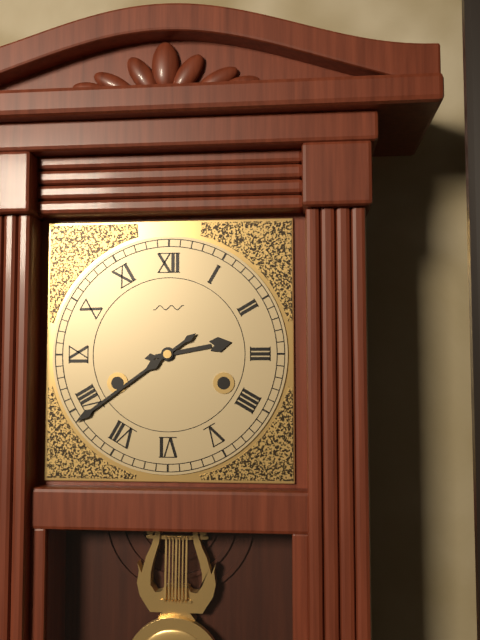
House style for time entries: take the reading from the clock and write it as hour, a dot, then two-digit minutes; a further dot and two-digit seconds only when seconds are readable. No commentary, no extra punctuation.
2.39
